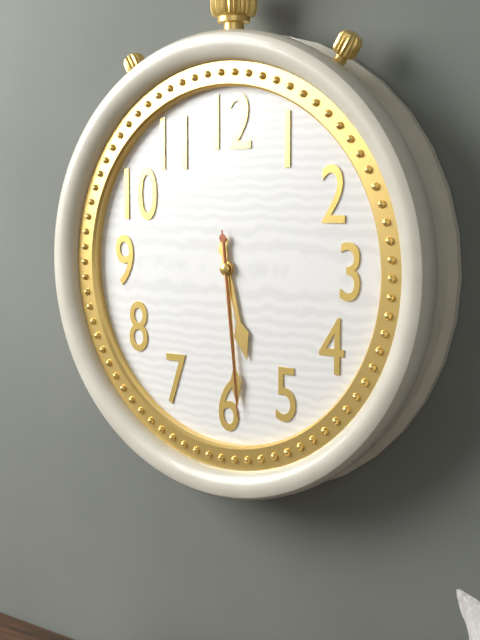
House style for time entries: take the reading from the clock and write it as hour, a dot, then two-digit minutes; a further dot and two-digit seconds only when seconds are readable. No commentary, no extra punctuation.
5.29.29
